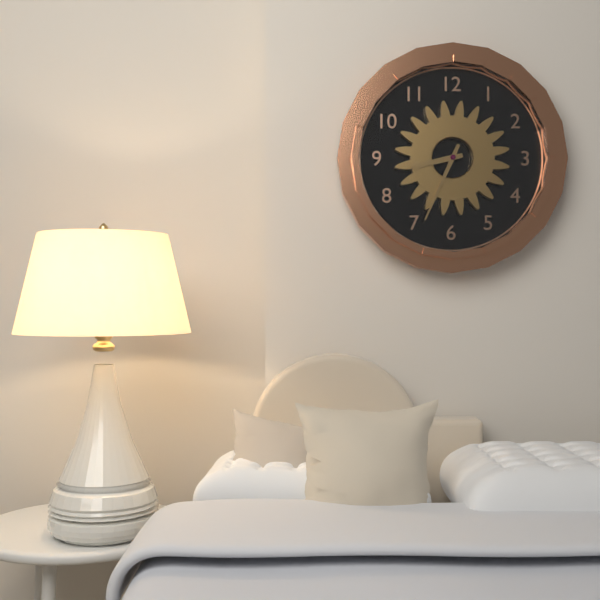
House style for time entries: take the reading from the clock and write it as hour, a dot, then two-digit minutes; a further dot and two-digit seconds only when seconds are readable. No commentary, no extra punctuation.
8.34
